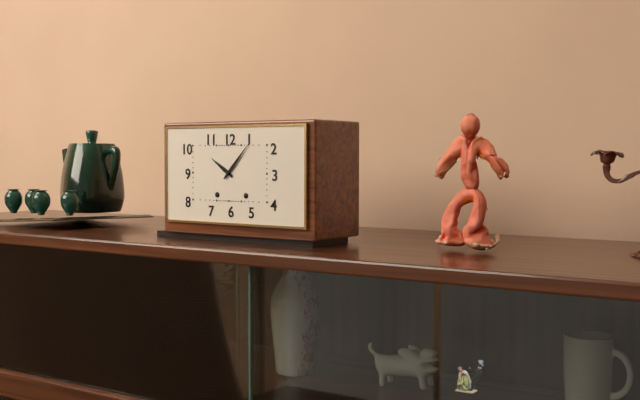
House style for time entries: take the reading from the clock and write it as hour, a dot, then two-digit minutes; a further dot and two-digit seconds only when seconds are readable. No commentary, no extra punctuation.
10.07
